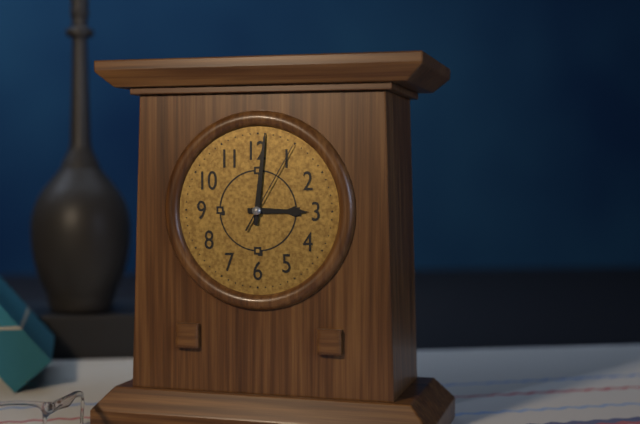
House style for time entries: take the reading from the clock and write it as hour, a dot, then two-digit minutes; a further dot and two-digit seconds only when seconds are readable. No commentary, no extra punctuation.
3.01.05
